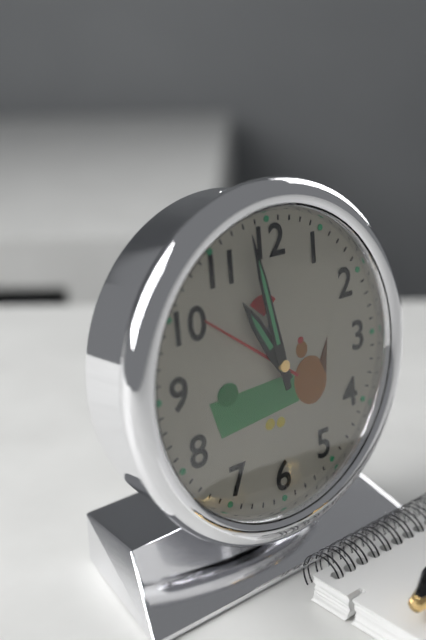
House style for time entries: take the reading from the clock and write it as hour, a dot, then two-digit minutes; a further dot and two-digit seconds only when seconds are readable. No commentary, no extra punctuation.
10.58
